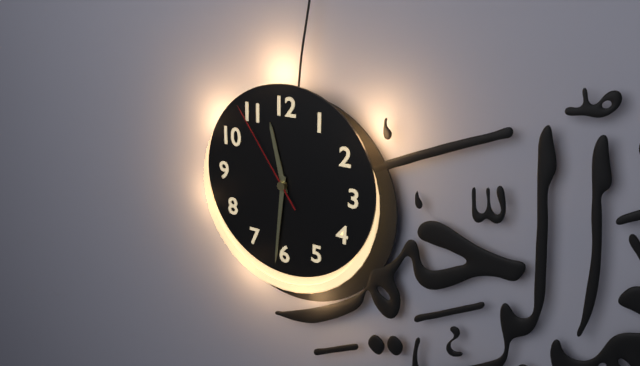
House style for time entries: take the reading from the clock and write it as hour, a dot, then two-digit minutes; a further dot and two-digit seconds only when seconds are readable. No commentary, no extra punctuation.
11.31.54
